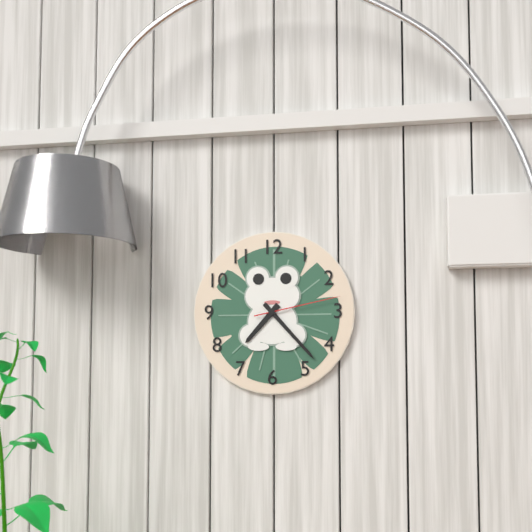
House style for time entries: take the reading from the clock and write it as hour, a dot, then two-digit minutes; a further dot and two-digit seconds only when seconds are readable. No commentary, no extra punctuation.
7.23.13
